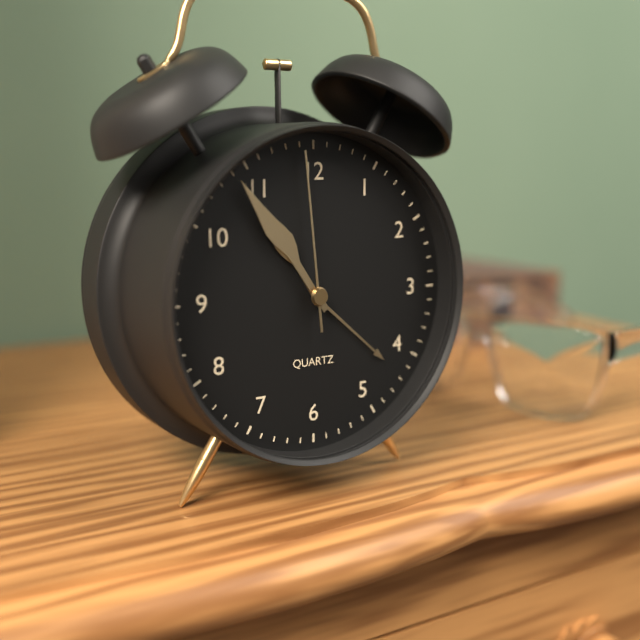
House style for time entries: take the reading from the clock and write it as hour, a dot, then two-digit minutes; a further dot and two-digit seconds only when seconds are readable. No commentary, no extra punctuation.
10.54.59
